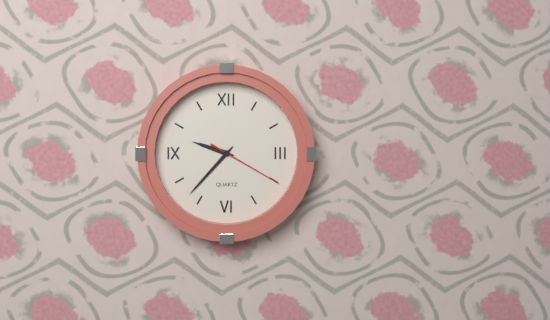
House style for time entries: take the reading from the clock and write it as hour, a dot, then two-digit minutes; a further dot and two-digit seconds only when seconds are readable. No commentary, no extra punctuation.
9.37.20
